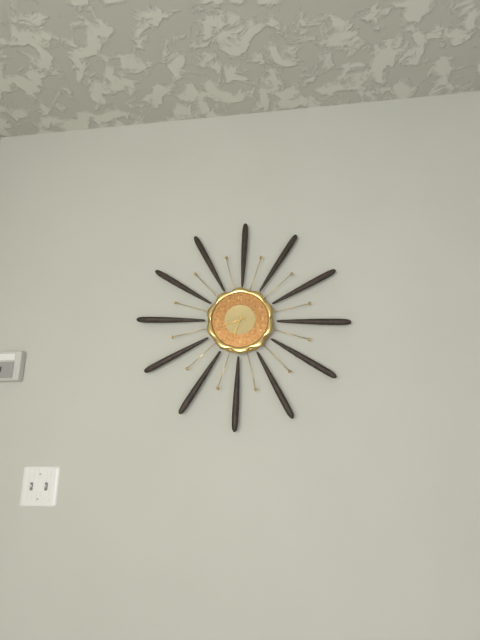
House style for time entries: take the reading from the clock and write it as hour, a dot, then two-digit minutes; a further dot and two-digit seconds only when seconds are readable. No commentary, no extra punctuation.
6.42
